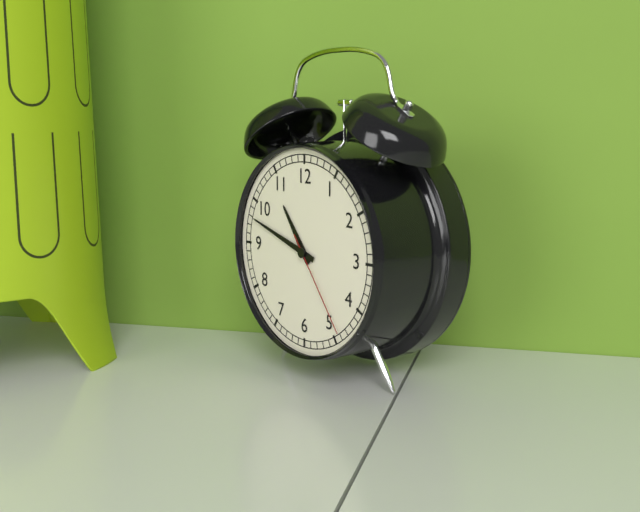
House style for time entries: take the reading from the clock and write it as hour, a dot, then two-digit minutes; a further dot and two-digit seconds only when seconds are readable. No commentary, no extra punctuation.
10.48.24
